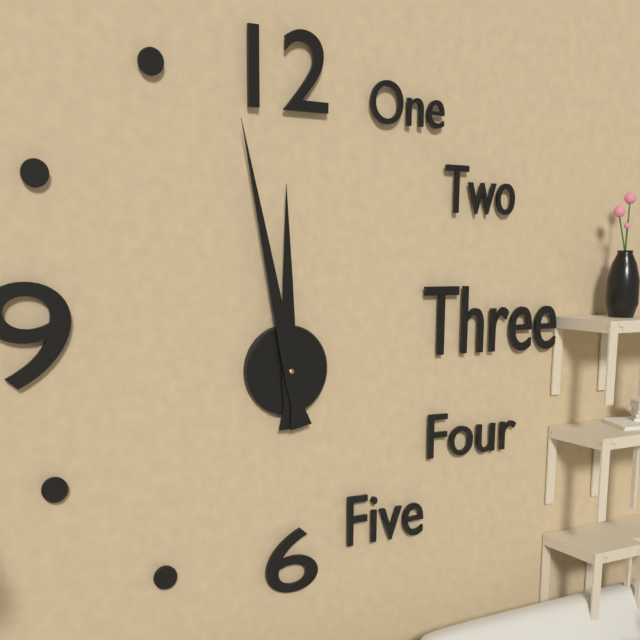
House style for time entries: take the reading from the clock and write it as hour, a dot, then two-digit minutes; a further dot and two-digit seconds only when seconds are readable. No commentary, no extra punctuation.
11.58
